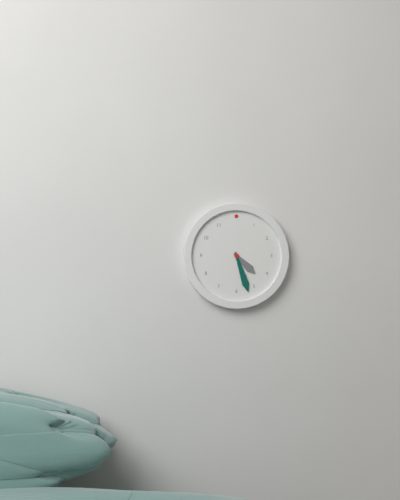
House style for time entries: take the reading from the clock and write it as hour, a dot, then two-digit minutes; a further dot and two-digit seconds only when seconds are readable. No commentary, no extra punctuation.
4.27
